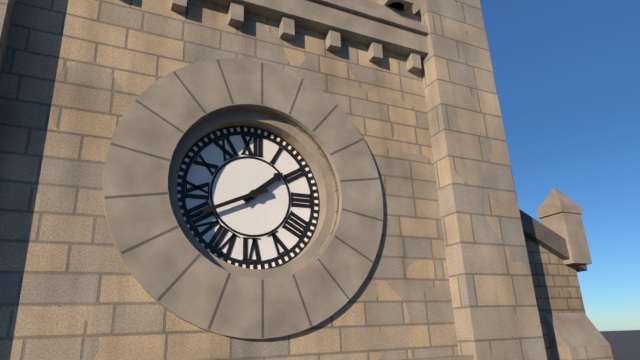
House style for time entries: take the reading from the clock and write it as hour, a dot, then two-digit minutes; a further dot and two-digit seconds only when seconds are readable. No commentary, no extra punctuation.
1.41
